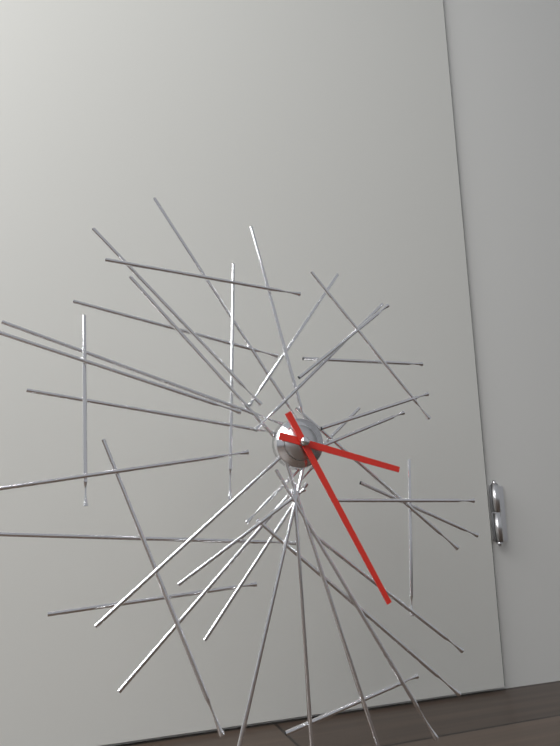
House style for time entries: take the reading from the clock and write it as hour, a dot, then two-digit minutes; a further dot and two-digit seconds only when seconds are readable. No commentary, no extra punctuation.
3.25
